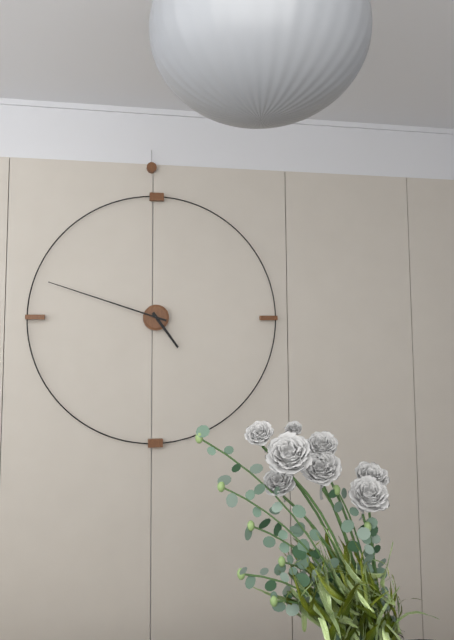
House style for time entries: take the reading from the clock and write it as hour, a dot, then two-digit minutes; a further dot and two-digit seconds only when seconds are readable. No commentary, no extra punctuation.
4.48
